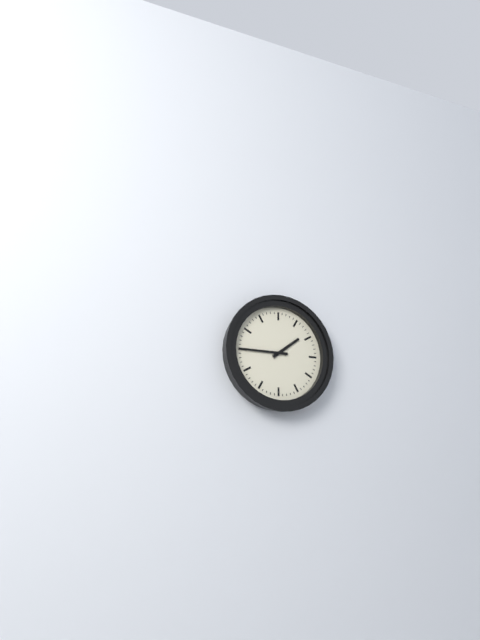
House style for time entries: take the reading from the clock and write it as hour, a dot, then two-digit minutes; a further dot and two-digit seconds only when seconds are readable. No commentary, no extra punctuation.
1.45
